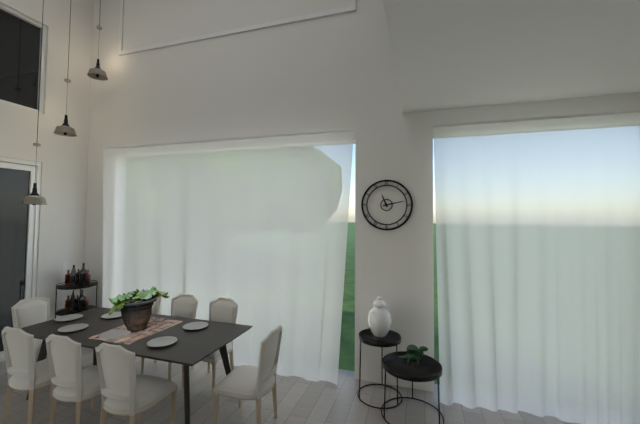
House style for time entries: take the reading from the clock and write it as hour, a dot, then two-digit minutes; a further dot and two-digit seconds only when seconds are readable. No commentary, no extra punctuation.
11.13
